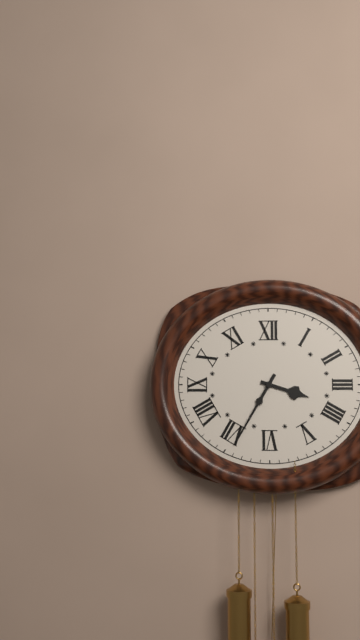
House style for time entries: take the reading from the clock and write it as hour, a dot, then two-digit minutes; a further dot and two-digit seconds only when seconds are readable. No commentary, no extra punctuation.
3.35
